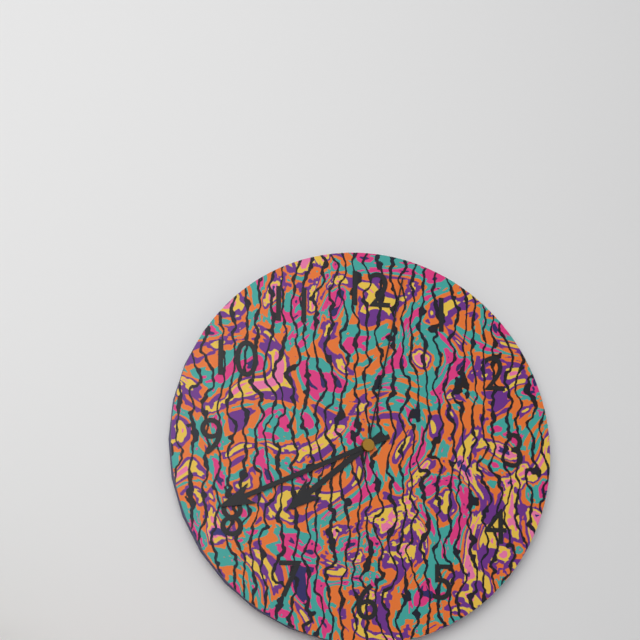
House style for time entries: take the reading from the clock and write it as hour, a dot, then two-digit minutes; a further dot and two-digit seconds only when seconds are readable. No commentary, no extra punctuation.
7.41.02
